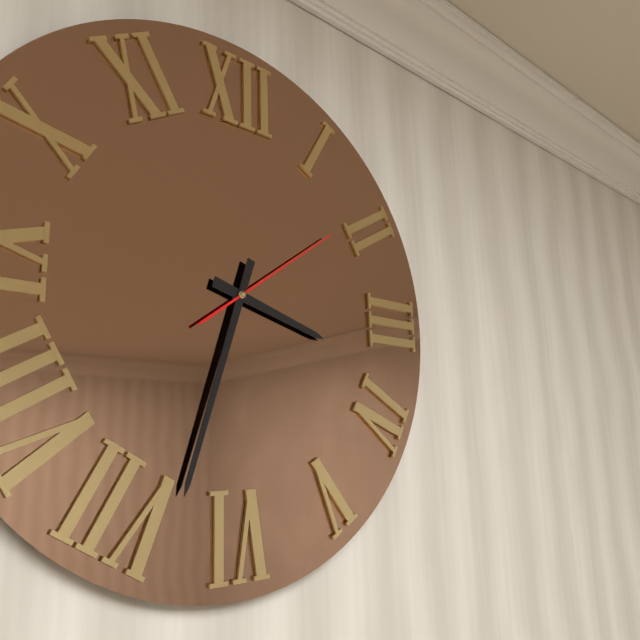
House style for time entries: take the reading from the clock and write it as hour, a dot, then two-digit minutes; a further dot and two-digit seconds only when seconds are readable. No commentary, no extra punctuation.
3.33.09
